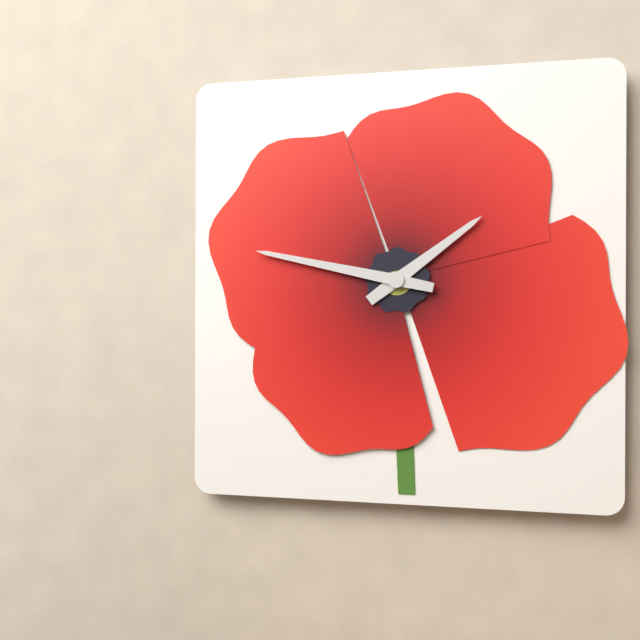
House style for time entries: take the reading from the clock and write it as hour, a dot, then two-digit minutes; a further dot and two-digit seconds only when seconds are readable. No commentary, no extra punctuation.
1.47
